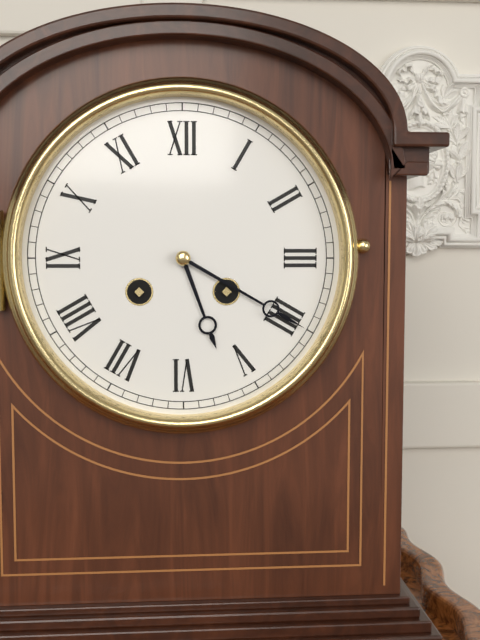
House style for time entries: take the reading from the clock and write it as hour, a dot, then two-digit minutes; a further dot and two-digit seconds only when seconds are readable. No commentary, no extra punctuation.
5.20
